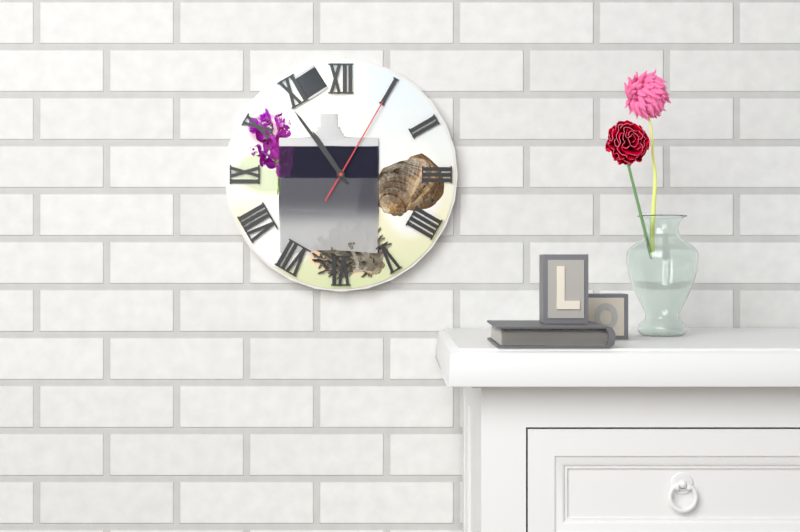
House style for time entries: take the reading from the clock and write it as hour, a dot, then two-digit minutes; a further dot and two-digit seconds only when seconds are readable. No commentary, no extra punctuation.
10.54.05
